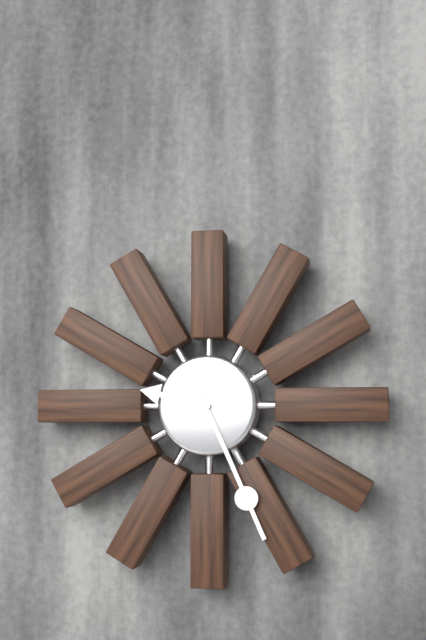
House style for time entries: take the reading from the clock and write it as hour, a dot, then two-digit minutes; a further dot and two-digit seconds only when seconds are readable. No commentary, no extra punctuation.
9.26
